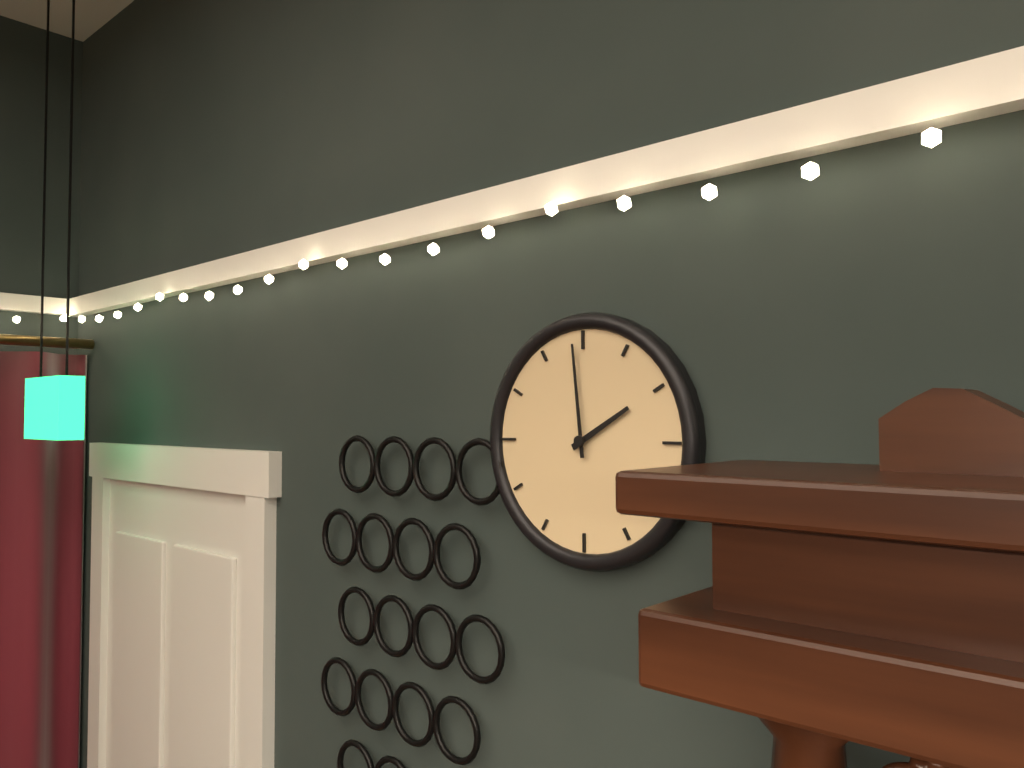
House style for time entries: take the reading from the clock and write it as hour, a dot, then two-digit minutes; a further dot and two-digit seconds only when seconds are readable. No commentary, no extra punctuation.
1.59
